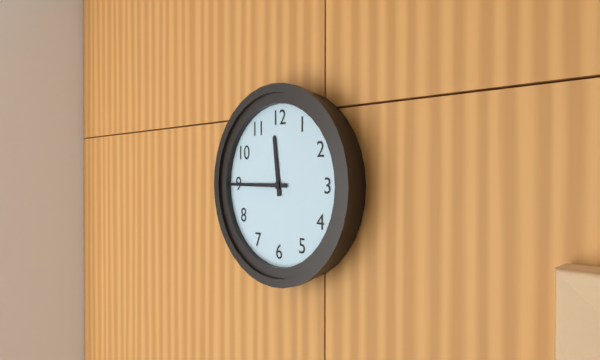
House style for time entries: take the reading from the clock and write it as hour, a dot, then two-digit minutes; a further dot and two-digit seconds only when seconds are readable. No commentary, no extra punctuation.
11.45
